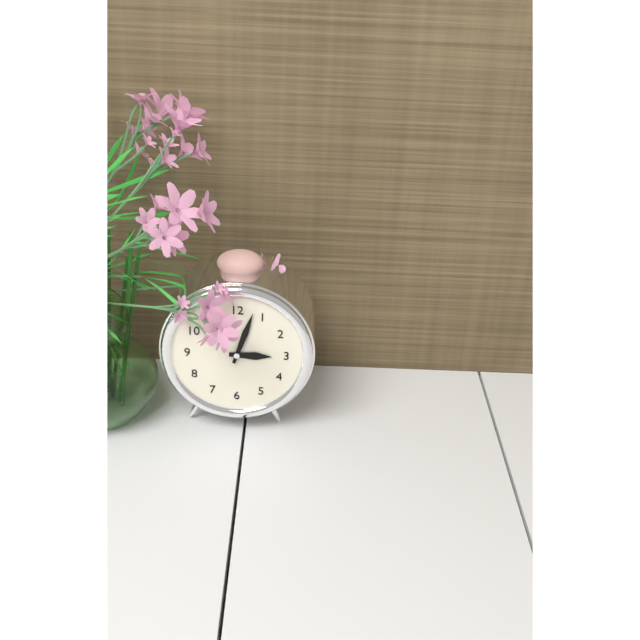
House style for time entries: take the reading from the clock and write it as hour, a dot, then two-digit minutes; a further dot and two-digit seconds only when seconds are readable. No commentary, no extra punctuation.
3.03
